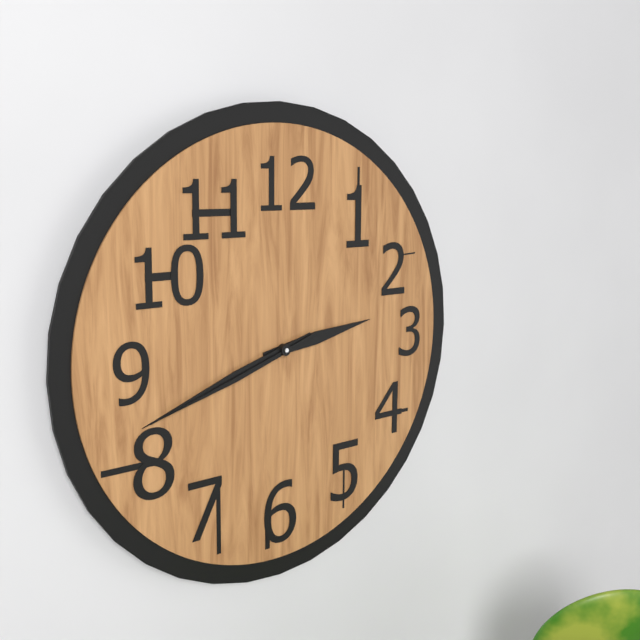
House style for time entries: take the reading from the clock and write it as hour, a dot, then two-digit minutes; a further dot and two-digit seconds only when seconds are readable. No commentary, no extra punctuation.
2.42.42
